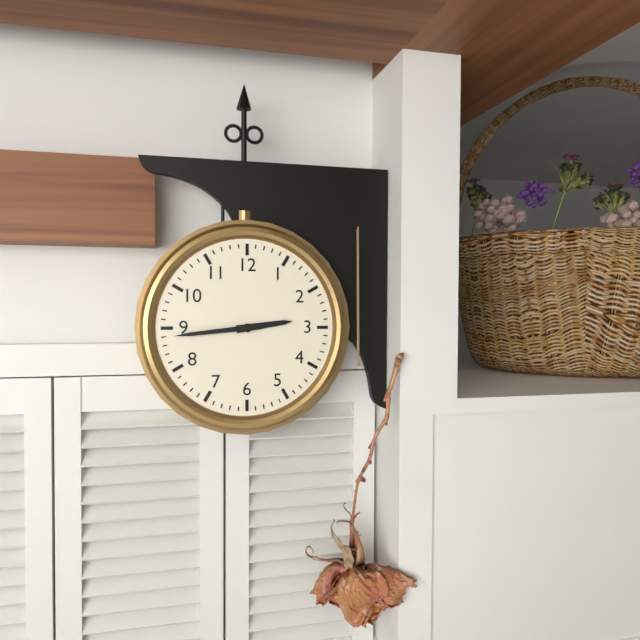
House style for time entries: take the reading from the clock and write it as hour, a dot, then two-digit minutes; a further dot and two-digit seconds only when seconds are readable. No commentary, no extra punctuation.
2.44
